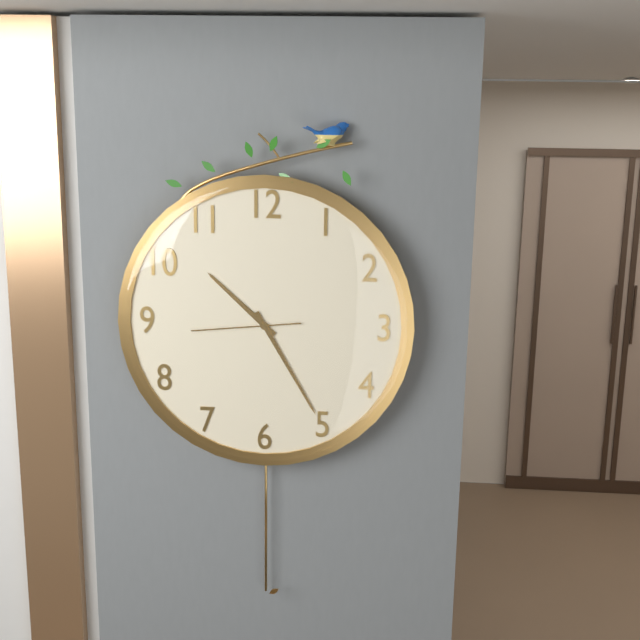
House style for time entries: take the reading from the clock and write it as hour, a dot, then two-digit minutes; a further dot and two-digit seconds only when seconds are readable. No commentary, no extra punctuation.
10.25.44
